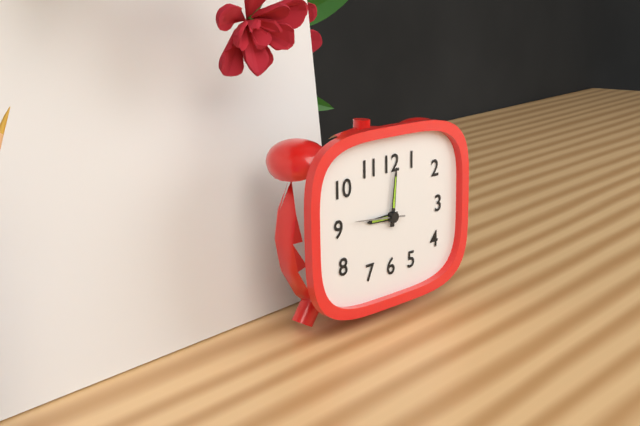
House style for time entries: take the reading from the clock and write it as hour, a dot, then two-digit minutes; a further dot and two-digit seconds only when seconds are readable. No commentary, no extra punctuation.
9.01.46
